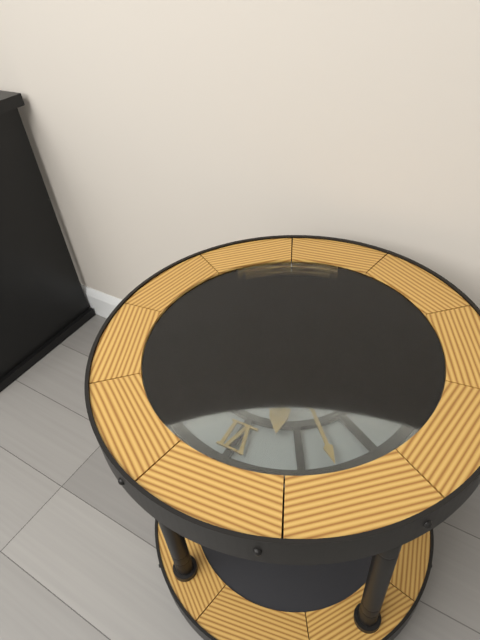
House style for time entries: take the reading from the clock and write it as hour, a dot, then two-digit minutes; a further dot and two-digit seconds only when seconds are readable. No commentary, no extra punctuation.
5.23
